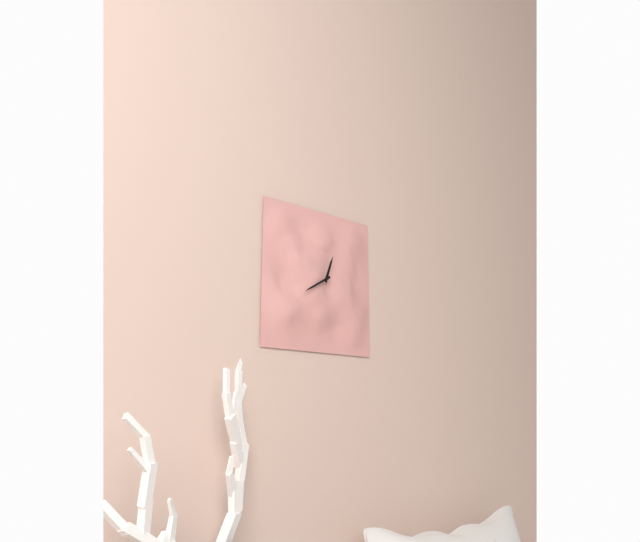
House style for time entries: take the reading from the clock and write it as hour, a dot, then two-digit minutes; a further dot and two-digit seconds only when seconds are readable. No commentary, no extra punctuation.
12.40
